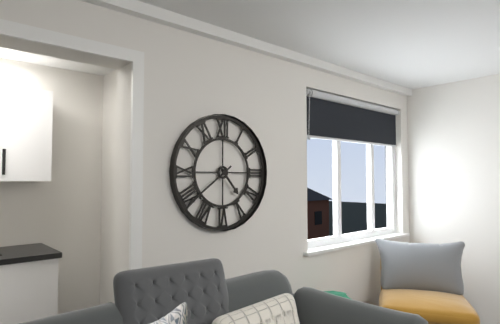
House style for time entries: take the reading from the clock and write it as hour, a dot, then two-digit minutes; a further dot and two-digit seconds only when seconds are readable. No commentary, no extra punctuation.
4.39
